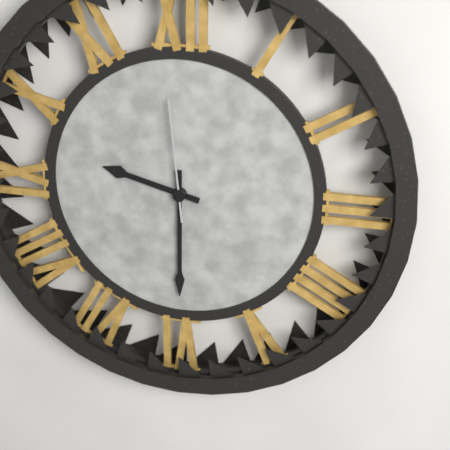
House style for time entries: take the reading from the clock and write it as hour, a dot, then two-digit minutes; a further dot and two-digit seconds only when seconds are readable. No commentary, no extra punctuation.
9.30.59
